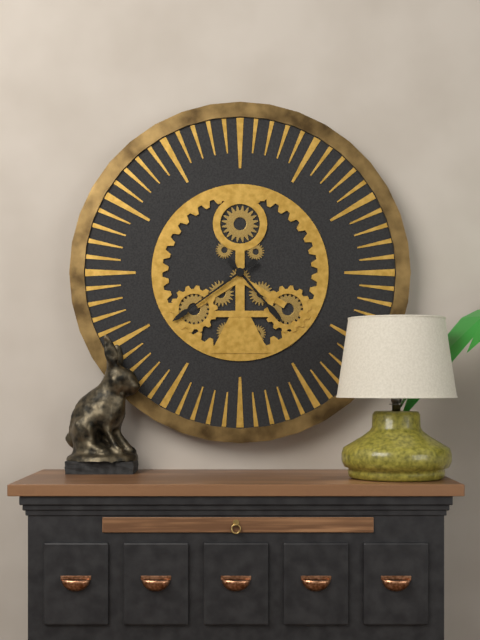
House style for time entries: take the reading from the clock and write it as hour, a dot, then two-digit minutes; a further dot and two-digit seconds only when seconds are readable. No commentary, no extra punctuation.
4.39
